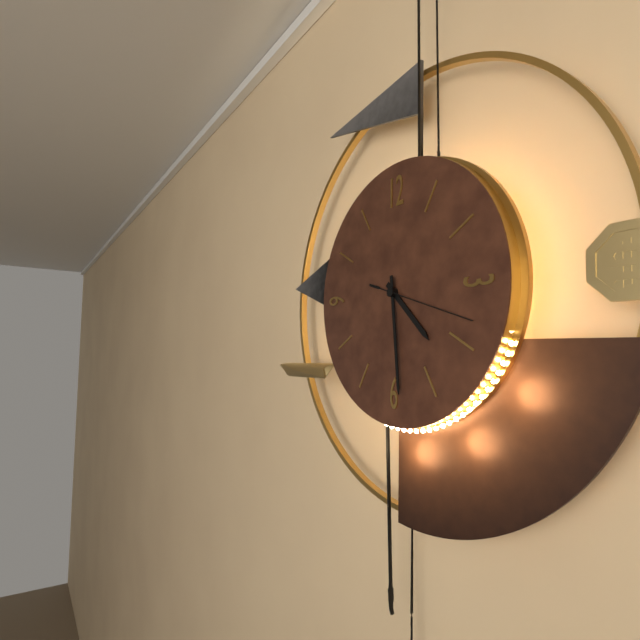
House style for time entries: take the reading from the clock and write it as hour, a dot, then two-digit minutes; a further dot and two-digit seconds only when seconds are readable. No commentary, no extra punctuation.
4.29.18
